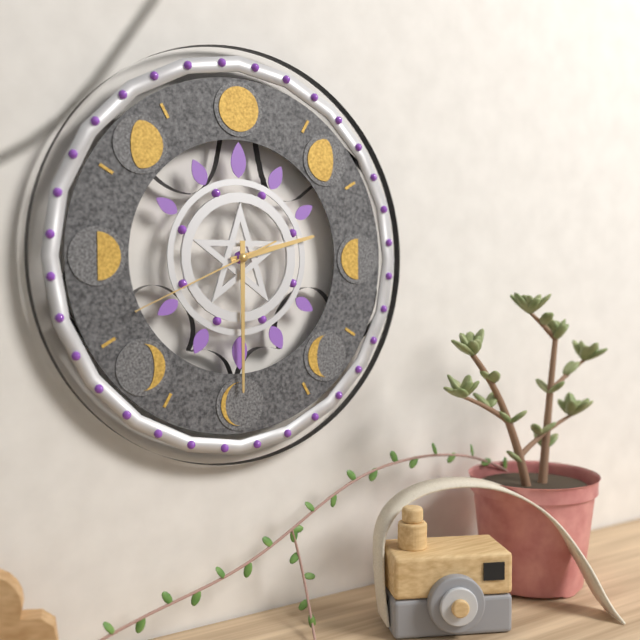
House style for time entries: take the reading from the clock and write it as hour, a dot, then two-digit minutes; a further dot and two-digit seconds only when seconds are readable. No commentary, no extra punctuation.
2.30.41
